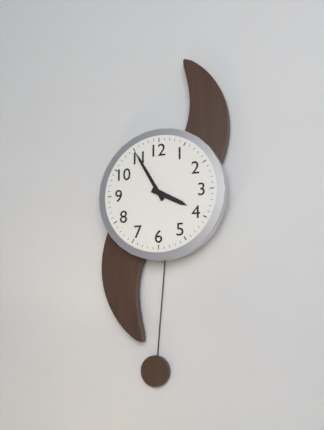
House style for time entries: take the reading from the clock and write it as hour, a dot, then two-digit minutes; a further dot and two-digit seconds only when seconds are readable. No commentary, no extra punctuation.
3.55
